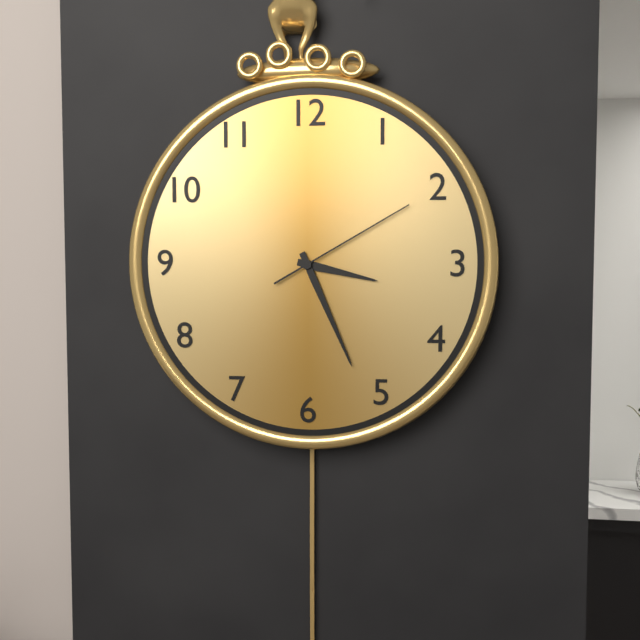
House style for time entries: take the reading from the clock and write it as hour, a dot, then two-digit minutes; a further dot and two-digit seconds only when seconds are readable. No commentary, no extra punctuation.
3.26.10
